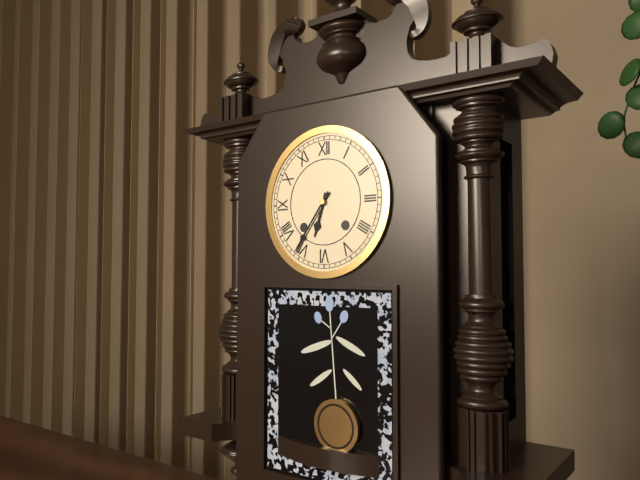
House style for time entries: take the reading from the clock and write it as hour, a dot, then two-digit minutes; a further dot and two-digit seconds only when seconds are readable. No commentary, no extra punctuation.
6.36
